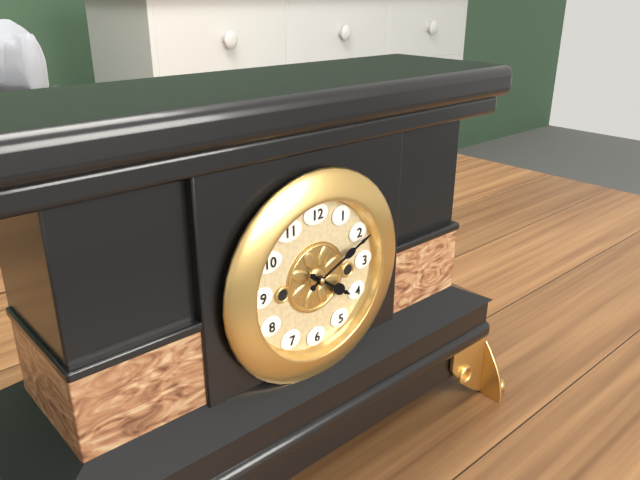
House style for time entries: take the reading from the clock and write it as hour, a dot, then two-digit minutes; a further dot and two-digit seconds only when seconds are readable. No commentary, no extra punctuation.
4.11
